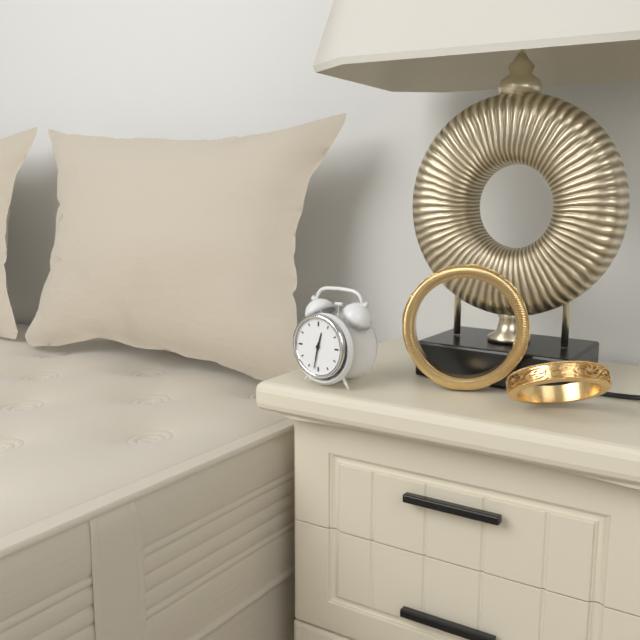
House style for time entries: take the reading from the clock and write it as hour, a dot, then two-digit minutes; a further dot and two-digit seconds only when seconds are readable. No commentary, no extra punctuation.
12.32
